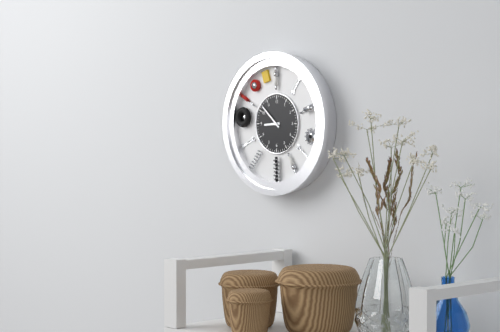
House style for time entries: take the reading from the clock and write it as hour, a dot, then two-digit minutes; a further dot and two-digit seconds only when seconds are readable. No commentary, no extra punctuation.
8.52
